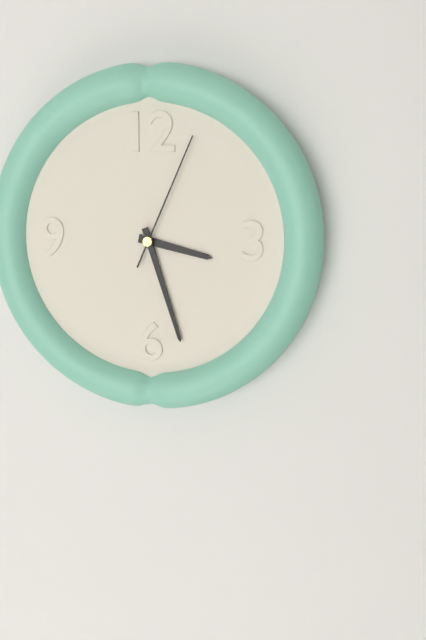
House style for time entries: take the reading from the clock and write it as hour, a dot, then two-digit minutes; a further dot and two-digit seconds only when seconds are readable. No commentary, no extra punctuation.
3.27.04
